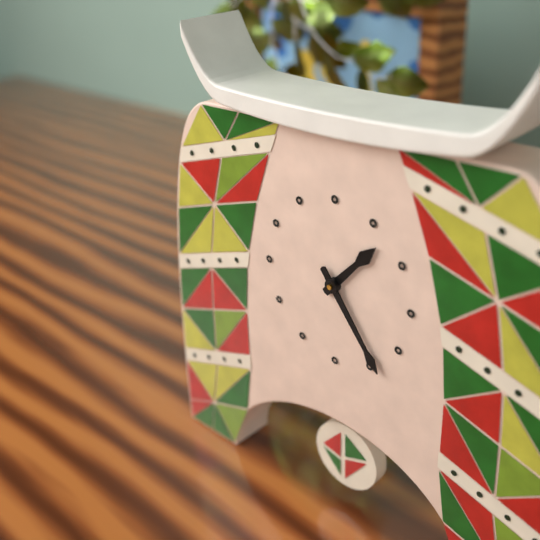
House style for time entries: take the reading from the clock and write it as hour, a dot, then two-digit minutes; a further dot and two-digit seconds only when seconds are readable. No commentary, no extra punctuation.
1.24
